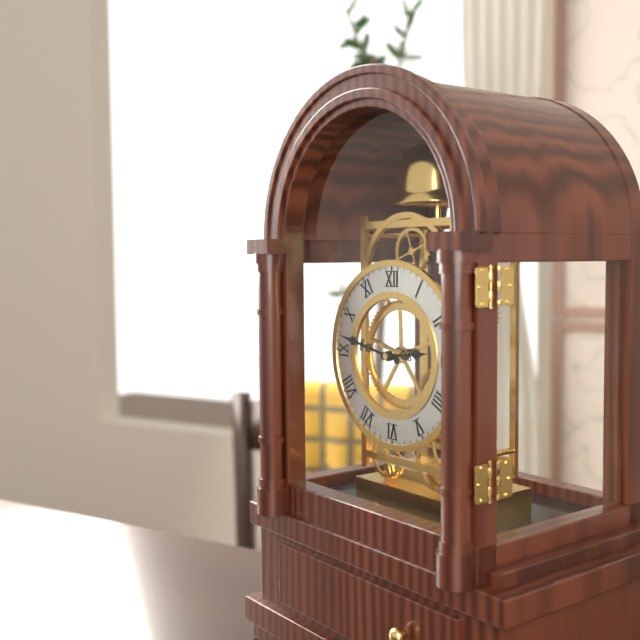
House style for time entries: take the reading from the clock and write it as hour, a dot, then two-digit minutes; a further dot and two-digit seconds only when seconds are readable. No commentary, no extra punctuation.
2.47
